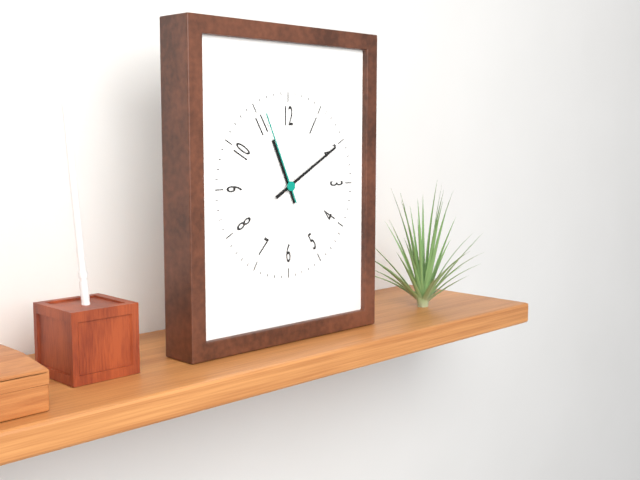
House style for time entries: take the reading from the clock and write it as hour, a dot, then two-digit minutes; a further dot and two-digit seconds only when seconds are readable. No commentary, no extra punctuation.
11.10.56
